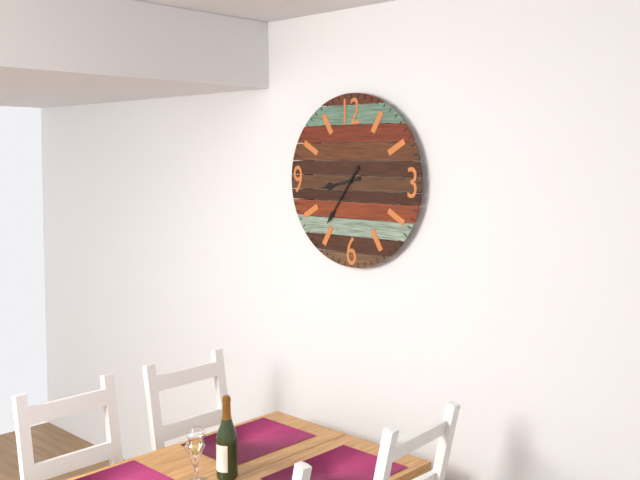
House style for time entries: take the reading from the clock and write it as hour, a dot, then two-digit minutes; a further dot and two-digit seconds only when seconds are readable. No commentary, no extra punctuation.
8.36
